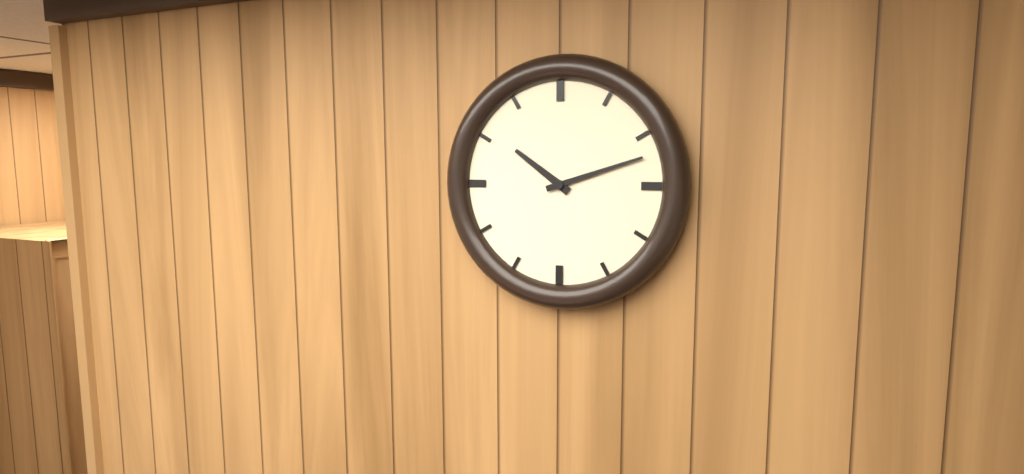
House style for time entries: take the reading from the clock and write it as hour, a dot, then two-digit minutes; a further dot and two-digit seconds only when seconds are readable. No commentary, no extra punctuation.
10.12
